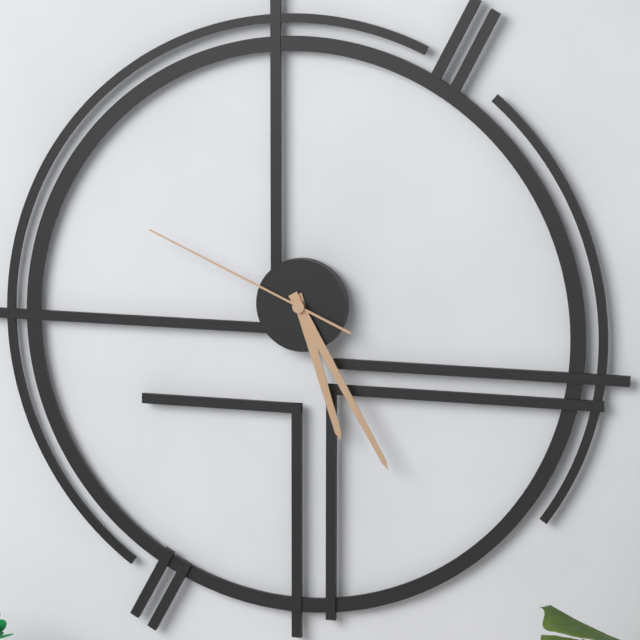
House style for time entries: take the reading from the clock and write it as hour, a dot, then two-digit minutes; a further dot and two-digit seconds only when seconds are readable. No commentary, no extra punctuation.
5.25.49
